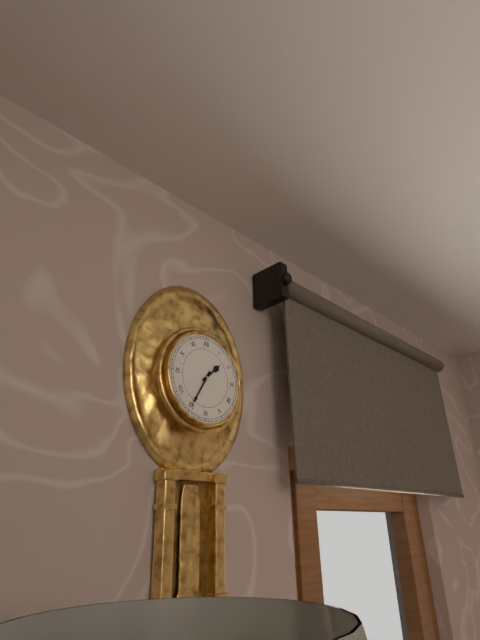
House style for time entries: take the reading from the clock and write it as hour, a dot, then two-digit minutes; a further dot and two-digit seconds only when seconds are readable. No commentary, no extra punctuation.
1.35
